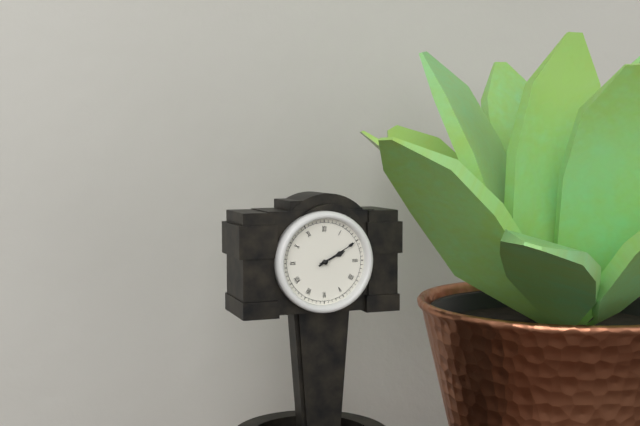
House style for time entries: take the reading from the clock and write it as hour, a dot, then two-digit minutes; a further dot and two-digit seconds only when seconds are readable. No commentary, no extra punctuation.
2.10
